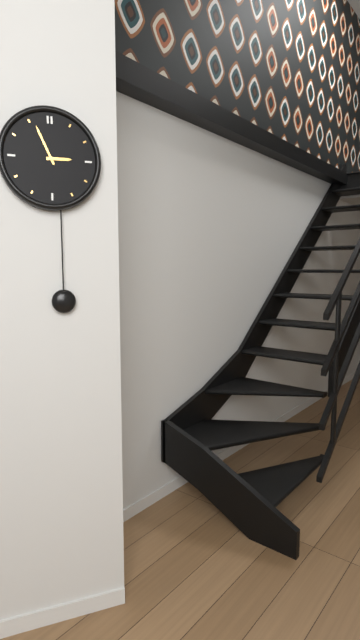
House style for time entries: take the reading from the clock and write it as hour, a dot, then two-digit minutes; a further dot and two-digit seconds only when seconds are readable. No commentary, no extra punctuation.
2.56
